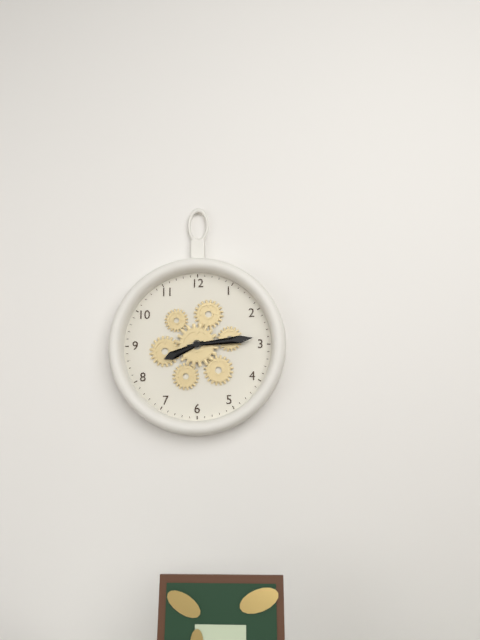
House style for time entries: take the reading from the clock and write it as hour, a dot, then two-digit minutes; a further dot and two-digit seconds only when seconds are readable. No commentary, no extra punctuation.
8.14
